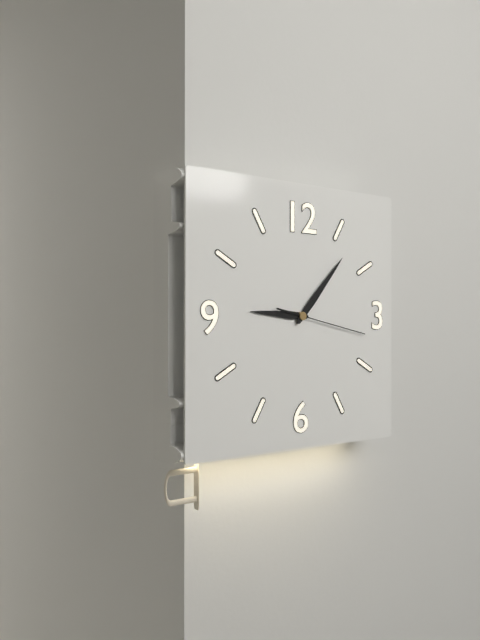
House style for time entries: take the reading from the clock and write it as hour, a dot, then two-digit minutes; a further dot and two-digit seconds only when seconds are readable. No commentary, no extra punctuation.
9.07.17
